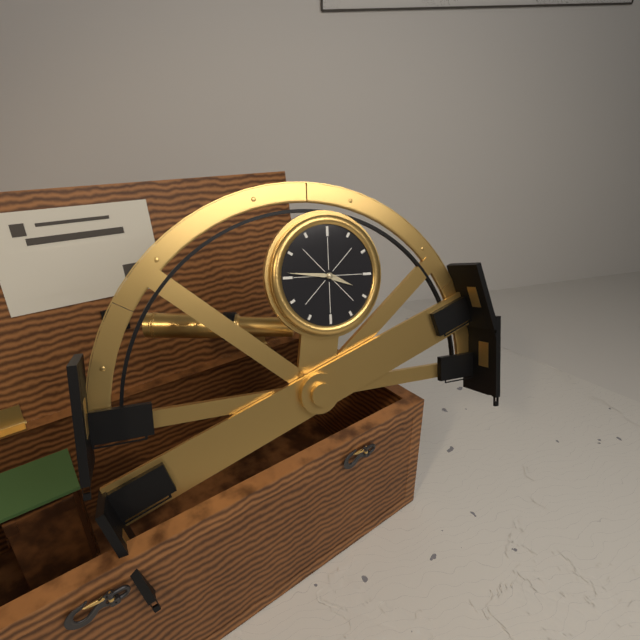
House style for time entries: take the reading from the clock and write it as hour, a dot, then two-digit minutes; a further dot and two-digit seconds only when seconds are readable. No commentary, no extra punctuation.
3.46
